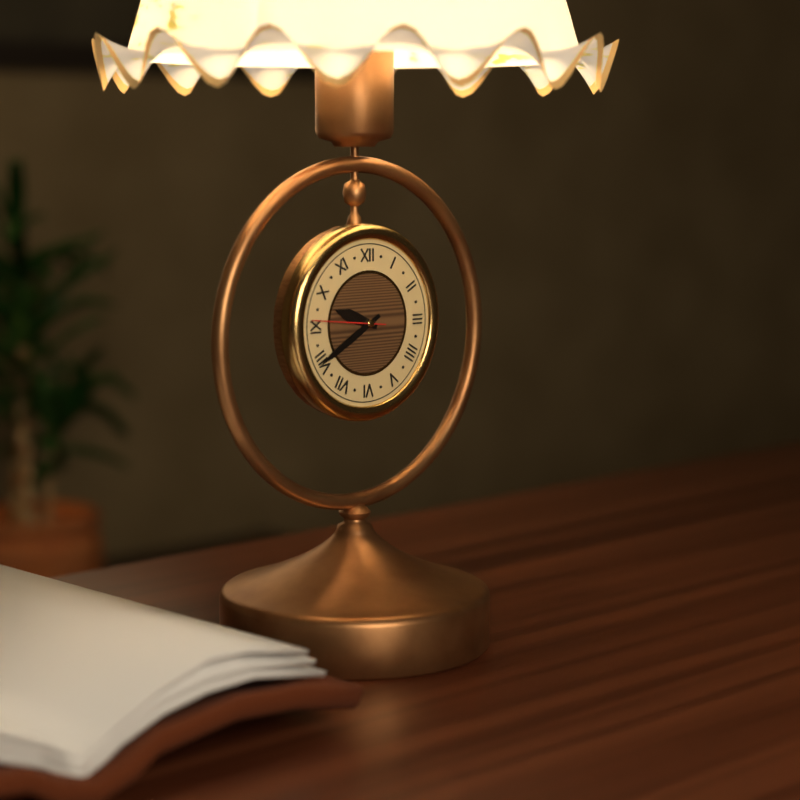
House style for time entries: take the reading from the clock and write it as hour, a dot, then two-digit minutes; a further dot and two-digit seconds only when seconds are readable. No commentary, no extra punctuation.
9.40.46
